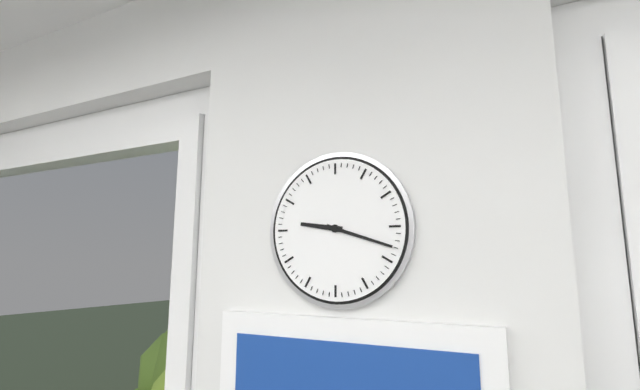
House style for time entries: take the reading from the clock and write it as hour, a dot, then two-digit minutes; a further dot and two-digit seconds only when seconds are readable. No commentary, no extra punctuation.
9.18
